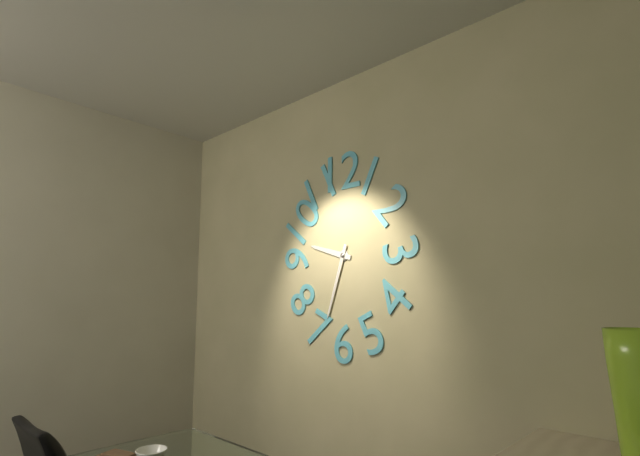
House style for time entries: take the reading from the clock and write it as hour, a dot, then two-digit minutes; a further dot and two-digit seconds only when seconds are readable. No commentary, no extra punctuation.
9.33
